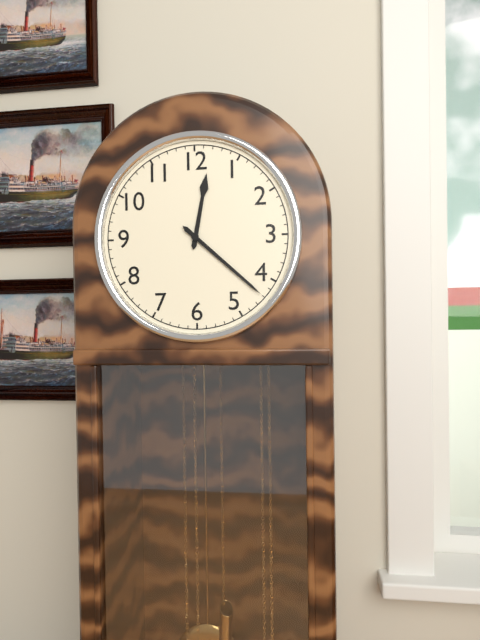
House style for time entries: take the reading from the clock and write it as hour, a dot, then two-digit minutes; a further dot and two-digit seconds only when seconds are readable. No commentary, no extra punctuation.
12.22
